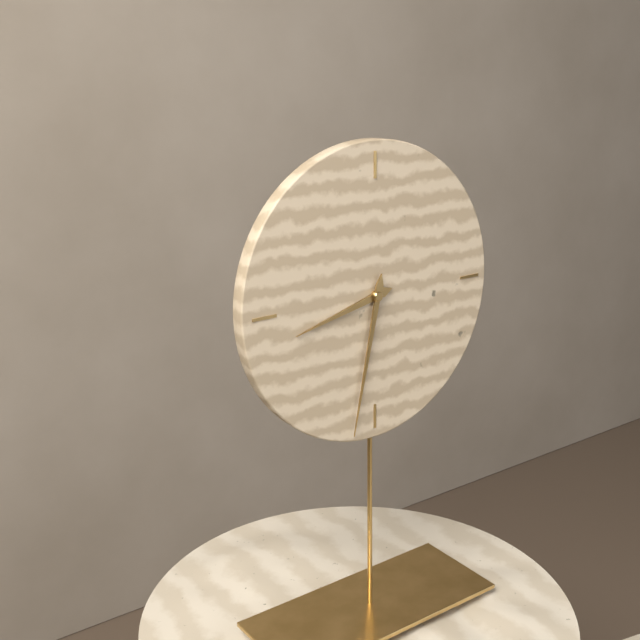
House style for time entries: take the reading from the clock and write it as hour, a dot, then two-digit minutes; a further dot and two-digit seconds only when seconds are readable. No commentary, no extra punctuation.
8.32
